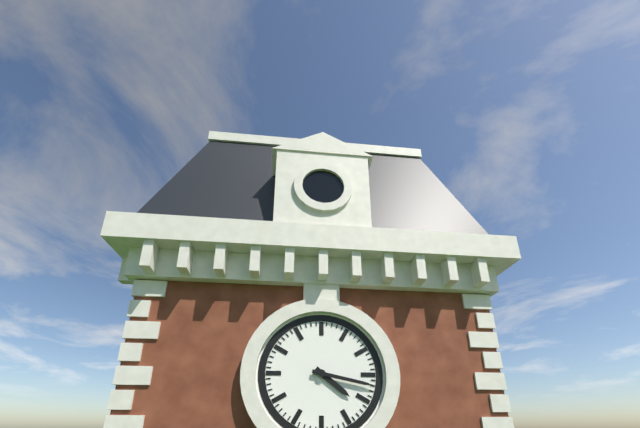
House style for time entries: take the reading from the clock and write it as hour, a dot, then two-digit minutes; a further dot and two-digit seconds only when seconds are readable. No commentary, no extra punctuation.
4.17
